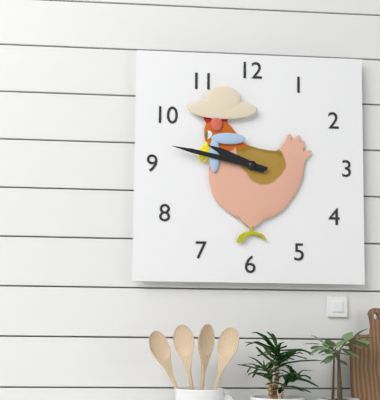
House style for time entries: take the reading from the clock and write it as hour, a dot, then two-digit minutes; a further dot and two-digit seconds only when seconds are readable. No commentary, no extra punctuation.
9.47
